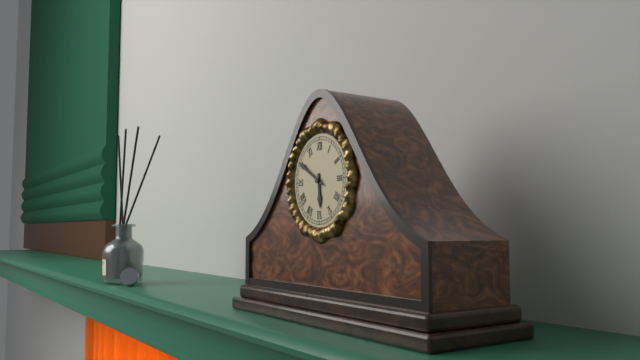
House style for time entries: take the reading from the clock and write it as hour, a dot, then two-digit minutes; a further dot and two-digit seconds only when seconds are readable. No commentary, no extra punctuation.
5.50
